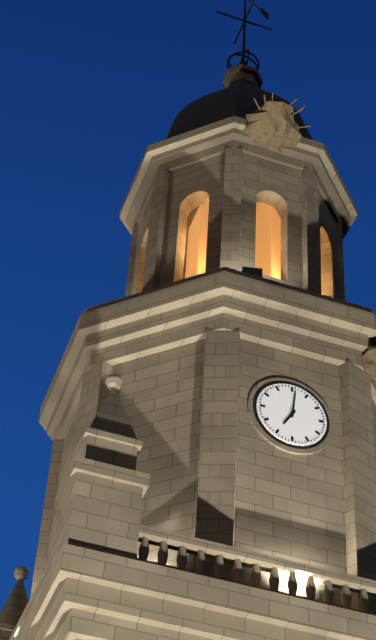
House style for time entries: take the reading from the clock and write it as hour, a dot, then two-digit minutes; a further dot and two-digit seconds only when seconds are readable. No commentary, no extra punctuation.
7.01
